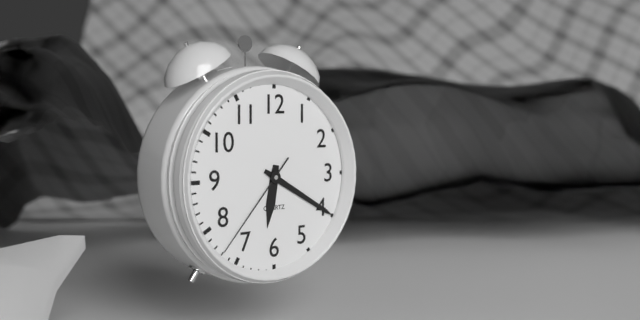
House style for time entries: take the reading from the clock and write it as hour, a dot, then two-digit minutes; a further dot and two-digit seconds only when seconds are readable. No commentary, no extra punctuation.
6.20.37
